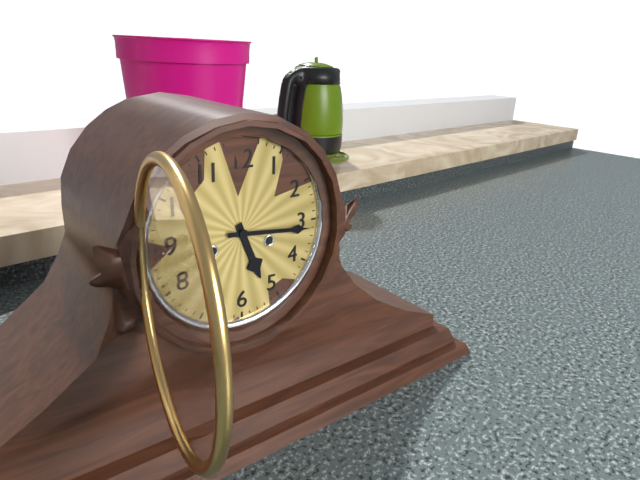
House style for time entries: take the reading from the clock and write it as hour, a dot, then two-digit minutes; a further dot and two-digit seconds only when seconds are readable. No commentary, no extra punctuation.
5.16
